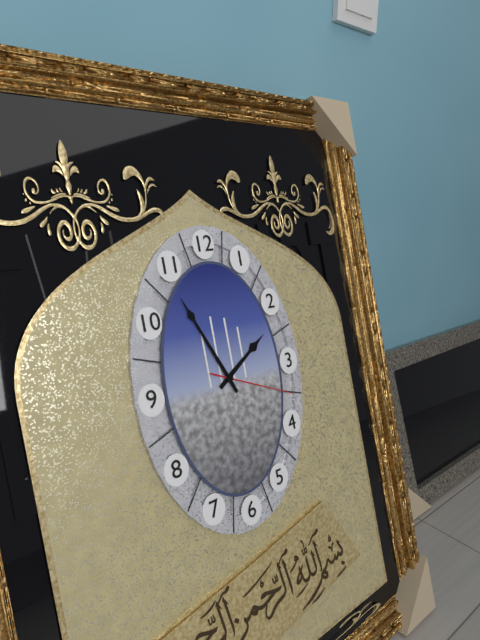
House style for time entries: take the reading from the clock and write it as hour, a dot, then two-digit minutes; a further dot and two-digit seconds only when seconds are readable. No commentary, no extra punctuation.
1.56.19
